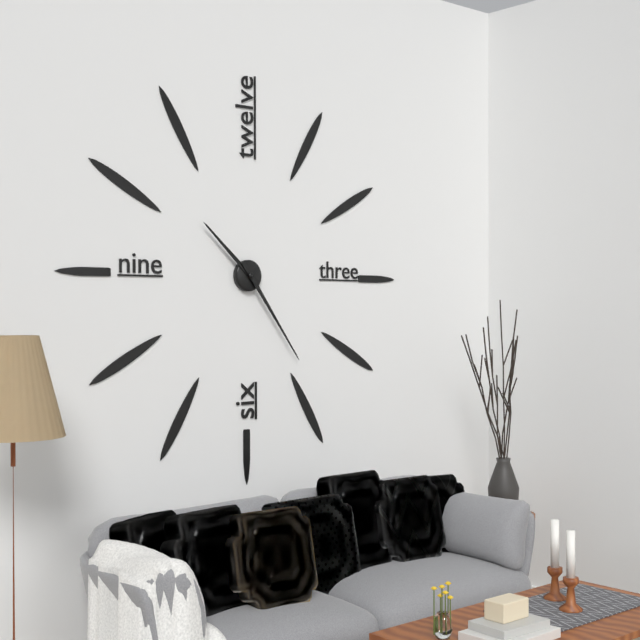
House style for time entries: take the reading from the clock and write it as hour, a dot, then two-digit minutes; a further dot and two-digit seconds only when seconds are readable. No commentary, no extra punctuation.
10.24
